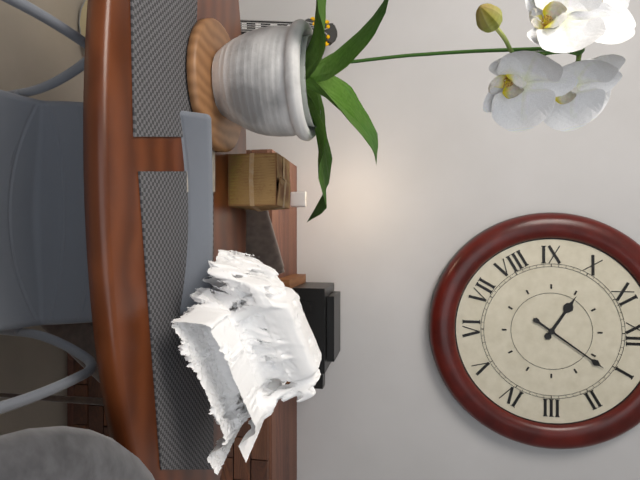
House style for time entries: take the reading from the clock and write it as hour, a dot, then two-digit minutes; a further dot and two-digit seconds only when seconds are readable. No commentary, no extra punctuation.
10.06
